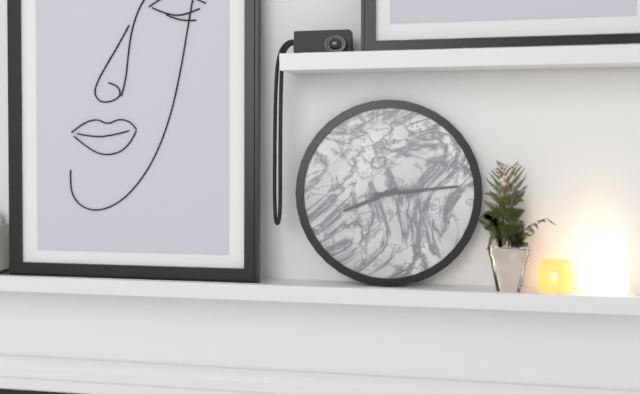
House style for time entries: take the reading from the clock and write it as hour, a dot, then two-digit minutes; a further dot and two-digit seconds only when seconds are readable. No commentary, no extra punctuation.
8.14
